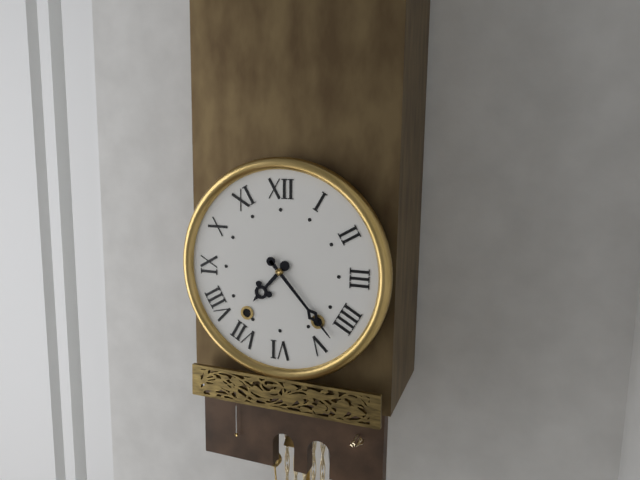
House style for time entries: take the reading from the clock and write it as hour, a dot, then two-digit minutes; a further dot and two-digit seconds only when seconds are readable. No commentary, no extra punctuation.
7.23
